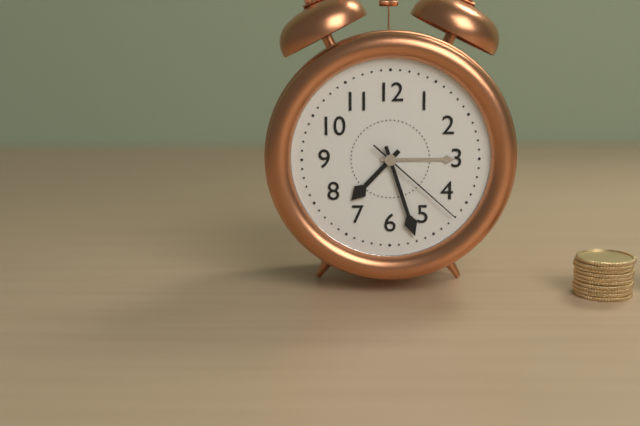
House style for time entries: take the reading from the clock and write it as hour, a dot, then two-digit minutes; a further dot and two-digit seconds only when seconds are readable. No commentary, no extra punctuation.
7.27.22
